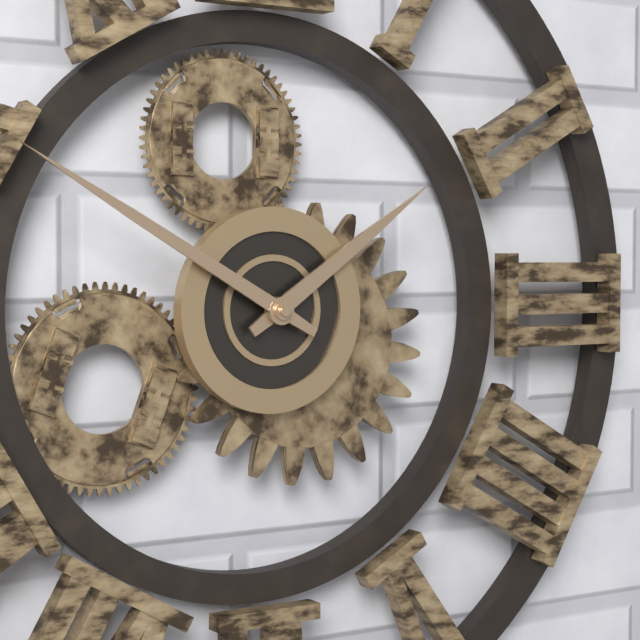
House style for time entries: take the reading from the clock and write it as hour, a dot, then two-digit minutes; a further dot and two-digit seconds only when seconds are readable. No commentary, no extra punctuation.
1.50
